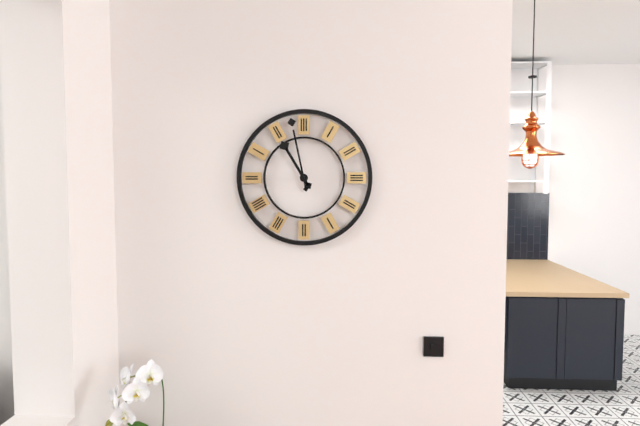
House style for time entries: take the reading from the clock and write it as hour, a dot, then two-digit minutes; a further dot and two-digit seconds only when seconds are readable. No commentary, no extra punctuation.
10.58
